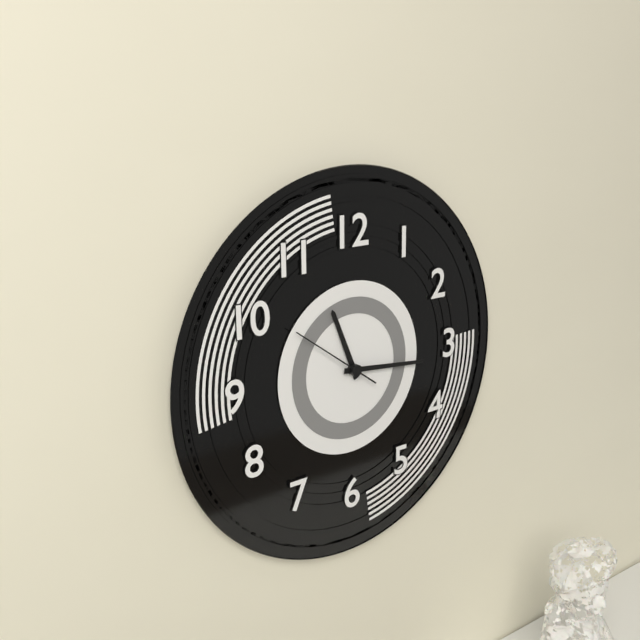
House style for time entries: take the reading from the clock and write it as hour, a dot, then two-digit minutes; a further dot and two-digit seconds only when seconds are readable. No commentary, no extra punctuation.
11.16.51
